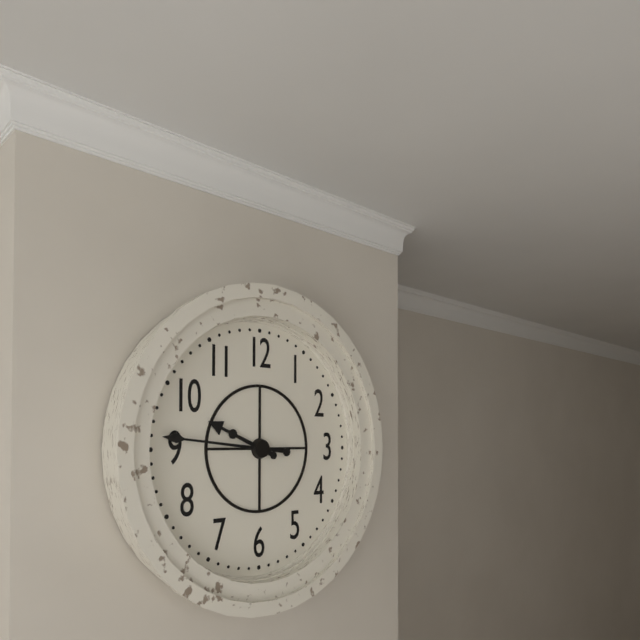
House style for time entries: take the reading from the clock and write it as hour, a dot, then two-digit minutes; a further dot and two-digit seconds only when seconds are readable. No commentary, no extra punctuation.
9.46
